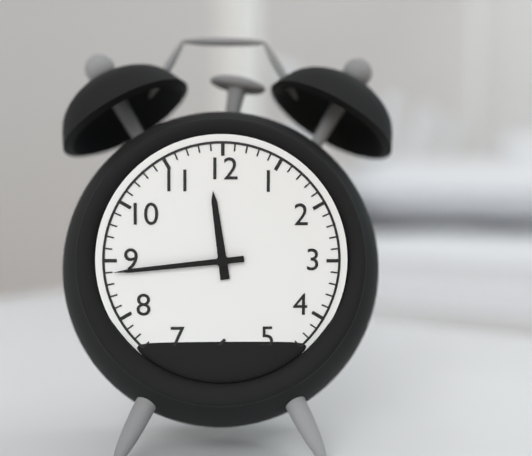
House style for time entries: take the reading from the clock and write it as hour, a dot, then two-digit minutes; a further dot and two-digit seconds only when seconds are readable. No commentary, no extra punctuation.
11.44
